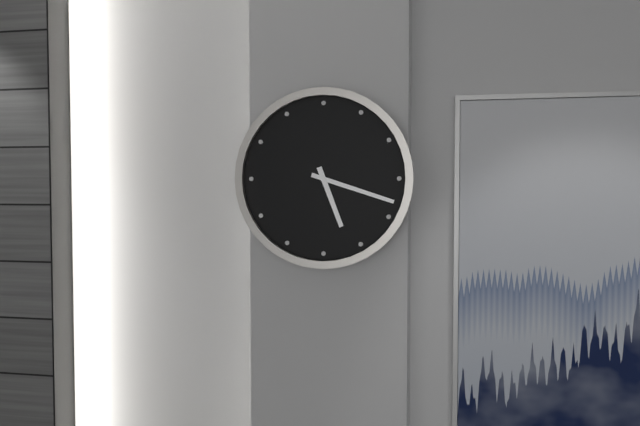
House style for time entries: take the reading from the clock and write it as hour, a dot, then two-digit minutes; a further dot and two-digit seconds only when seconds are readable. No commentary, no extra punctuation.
5.18
